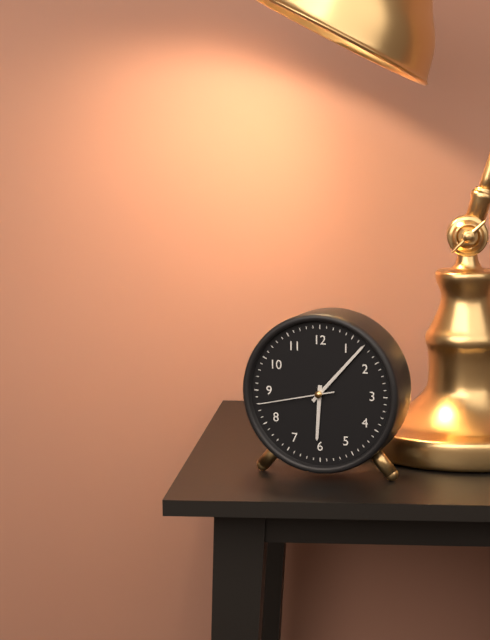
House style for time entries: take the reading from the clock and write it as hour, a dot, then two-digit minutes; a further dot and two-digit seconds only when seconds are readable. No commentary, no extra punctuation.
6.07.43
